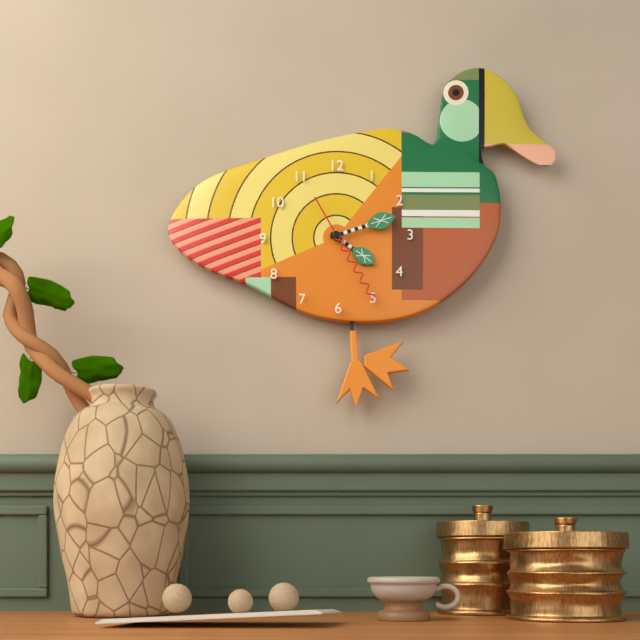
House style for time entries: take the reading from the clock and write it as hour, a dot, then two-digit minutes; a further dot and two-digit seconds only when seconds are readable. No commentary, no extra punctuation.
4.12.25
